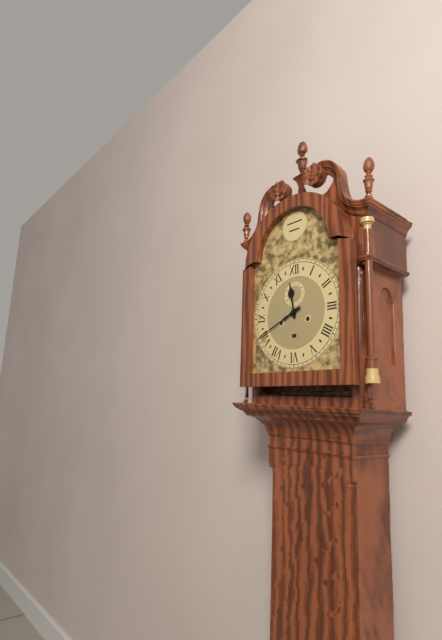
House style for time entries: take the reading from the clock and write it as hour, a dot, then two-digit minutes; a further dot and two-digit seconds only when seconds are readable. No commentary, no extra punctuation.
11.41
